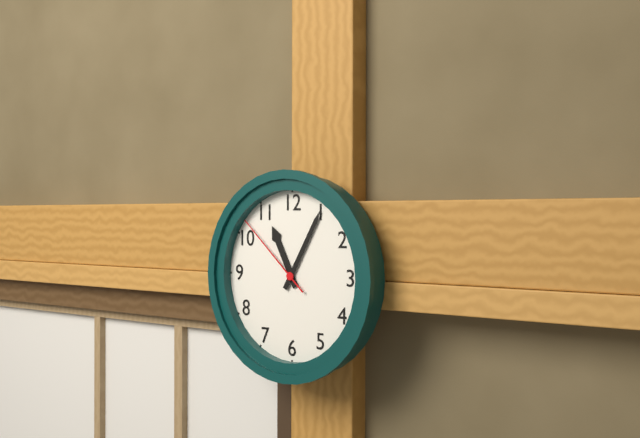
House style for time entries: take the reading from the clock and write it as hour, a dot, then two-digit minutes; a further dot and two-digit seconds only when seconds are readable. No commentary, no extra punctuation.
11.05.52
